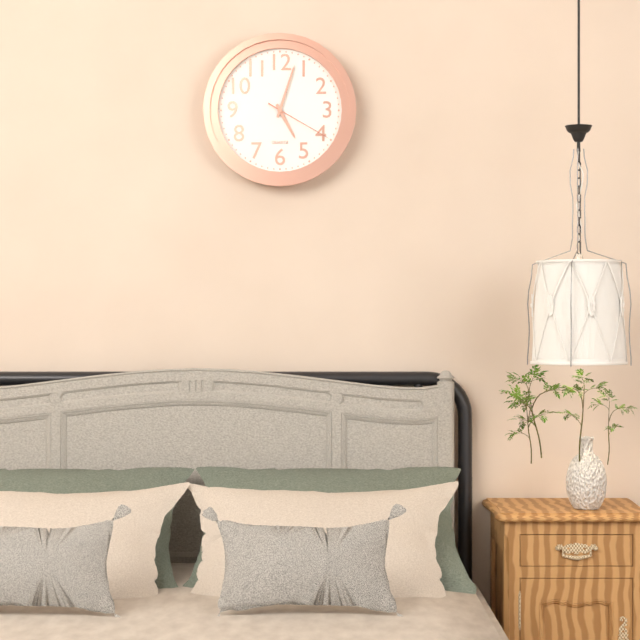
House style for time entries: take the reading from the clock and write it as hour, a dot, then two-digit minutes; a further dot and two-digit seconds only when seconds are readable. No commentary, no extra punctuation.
5.03.20
